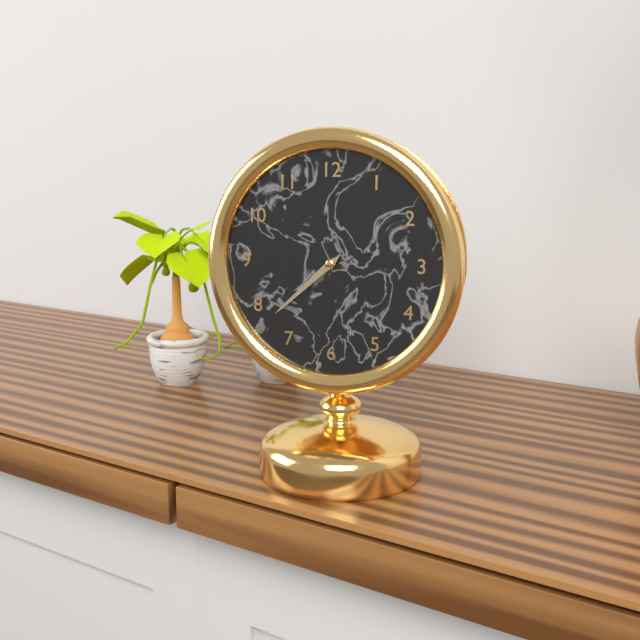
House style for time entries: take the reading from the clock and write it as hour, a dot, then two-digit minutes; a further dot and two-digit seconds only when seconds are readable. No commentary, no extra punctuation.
7.38
